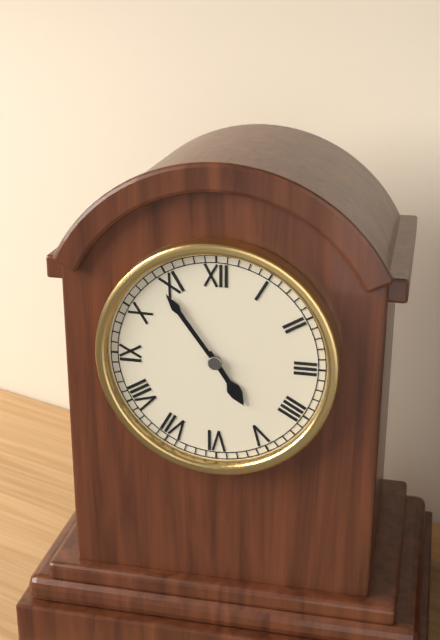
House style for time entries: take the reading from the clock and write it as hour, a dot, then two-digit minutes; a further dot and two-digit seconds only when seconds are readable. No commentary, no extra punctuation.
4.54
